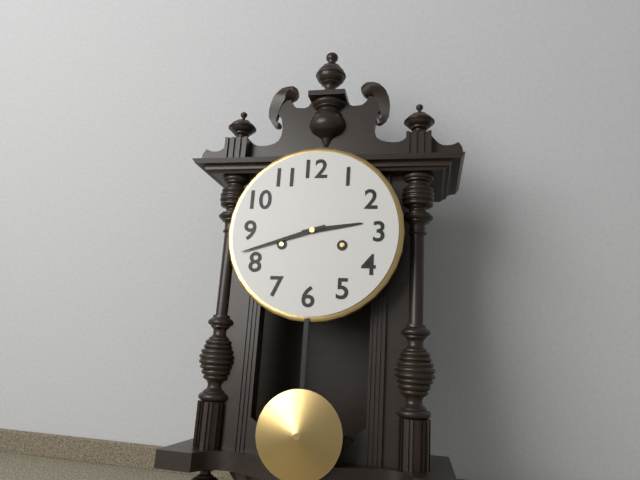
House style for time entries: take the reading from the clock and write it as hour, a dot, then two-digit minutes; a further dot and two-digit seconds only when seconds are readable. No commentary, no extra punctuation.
2.42
